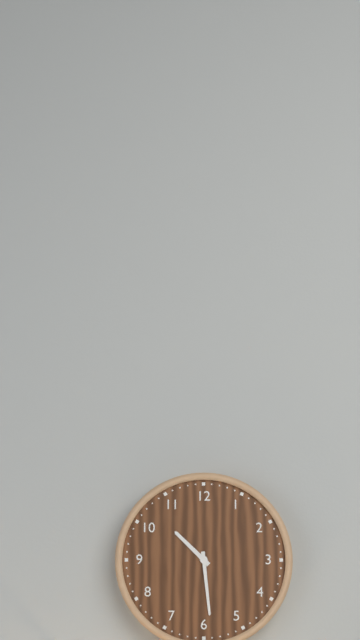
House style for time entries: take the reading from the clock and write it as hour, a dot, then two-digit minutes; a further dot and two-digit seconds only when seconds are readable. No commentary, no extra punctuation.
10.29
